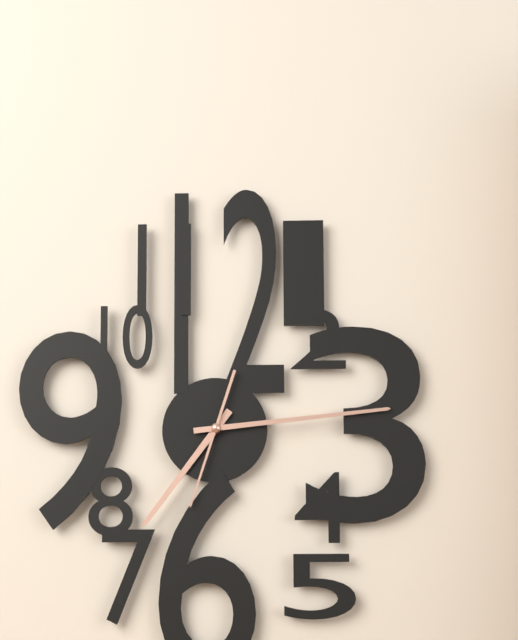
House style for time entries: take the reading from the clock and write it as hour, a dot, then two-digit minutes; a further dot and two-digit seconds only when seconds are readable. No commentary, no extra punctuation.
7.14.33
